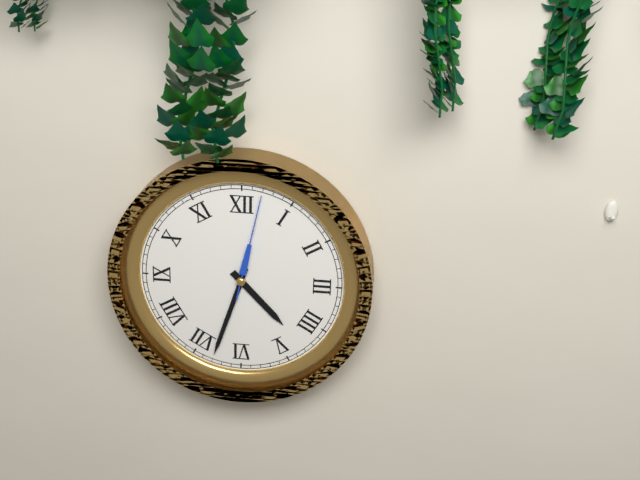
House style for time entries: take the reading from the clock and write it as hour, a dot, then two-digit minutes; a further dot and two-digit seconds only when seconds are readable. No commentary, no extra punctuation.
4.33.02
